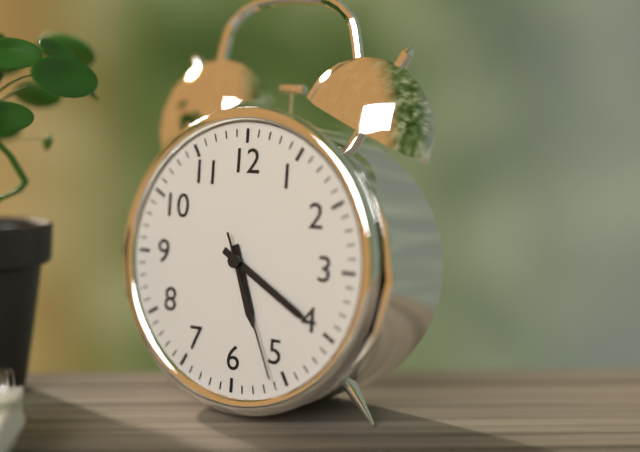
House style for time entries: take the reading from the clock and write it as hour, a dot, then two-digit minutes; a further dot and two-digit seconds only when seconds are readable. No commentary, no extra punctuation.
5.20.26
